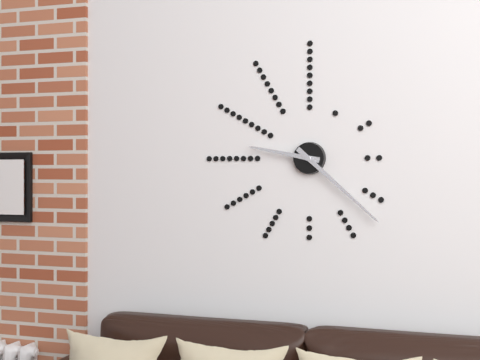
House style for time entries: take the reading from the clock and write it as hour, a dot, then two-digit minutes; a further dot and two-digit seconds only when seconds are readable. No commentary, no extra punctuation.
9.22
